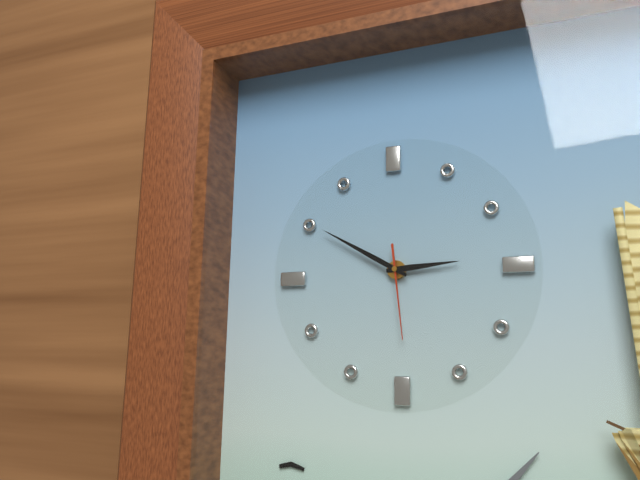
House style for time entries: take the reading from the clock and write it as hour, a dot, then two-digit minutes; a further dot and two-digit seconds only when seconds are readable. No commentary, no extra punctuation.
2.50.29
